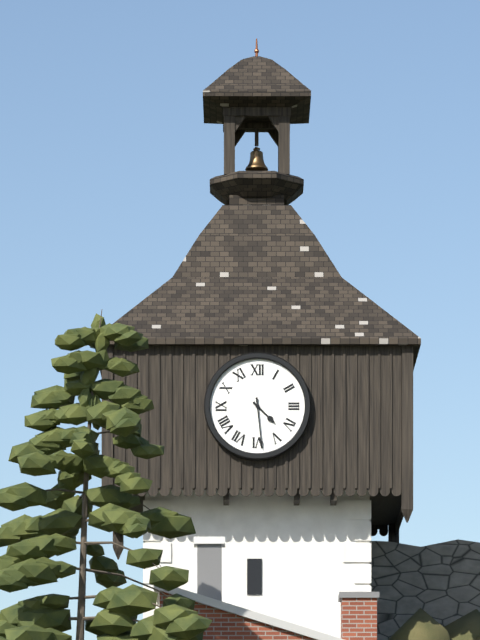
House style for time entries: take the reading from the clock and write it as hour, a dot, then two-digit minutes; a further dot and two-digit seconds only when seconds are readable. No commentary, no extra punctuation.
4.29
